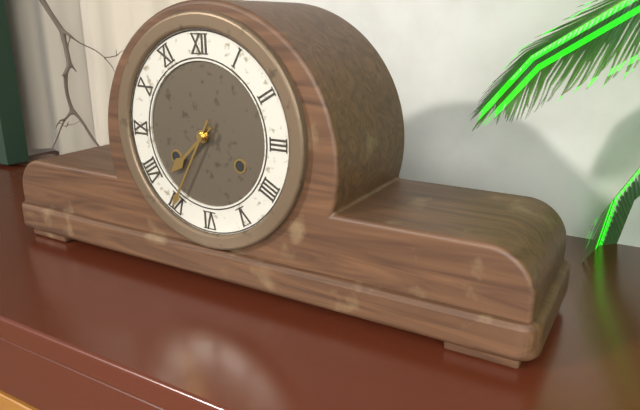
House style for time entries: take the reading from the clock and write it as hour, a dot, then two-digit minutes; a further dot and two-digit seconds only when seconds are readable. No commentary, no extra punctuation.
7.35
